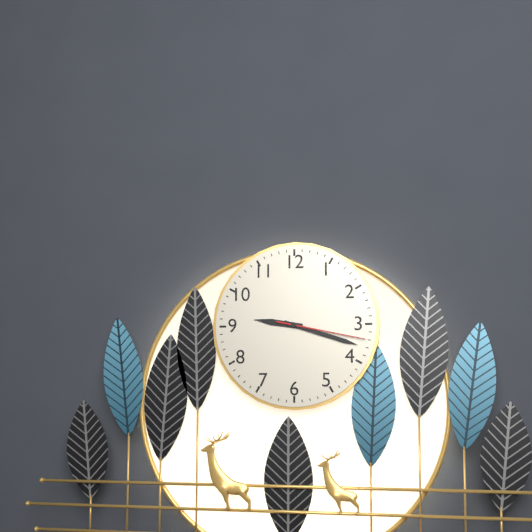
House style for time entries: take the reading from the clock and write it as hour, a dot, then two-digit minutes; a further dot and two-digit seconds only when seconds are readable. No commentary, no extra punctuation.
9.18.17
